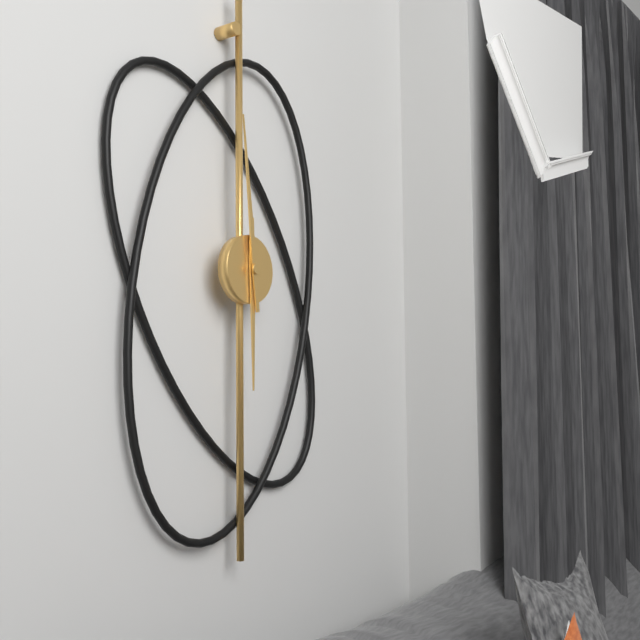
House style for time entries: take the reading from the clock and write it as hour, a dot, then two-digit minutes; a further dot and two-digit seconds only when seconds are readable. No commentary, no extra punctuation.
5.59
